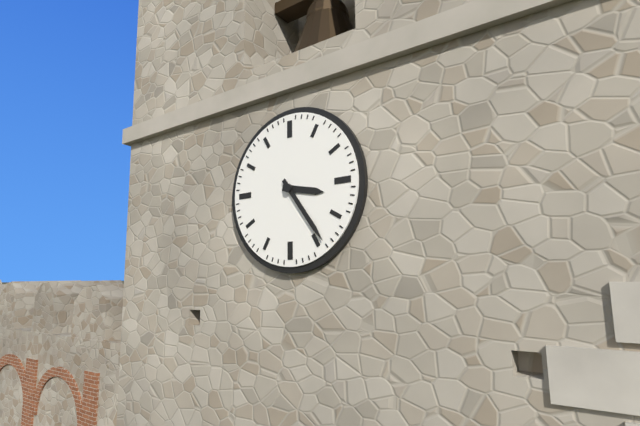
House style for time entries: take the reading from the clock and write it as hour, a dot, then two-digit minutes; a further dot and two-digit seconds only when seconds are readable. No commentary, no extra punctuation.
3.24
